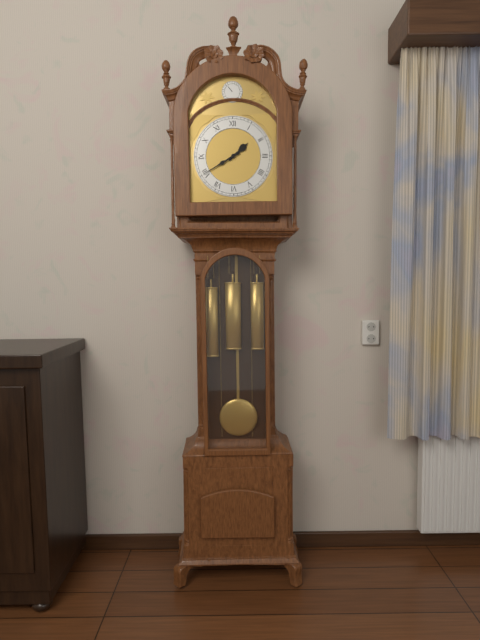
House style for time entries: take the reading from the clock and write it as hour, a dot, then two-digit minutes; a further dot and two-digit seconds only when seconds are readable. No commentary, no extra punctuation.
1.40
